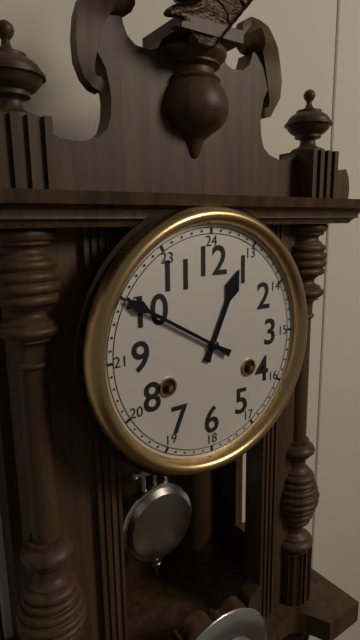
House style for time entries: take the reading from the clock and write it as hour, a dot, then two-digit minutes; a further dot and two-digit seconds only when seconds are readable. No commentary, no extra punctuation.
12.50
